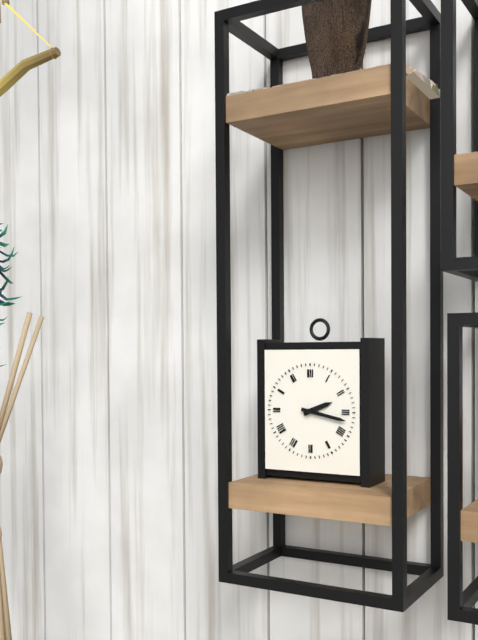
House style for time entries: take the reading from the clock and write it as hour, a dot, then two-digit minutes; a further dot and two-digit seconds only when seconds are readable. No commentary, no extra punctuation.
2.17
